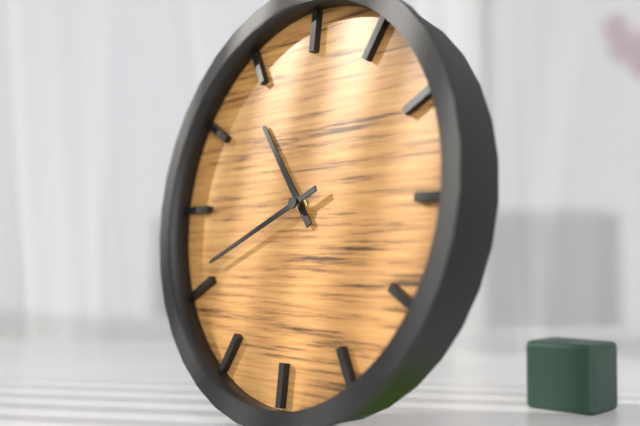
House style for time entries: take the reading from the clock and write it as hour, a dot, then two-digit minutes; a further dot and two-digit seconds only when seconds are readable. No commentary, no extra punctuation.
10.41
